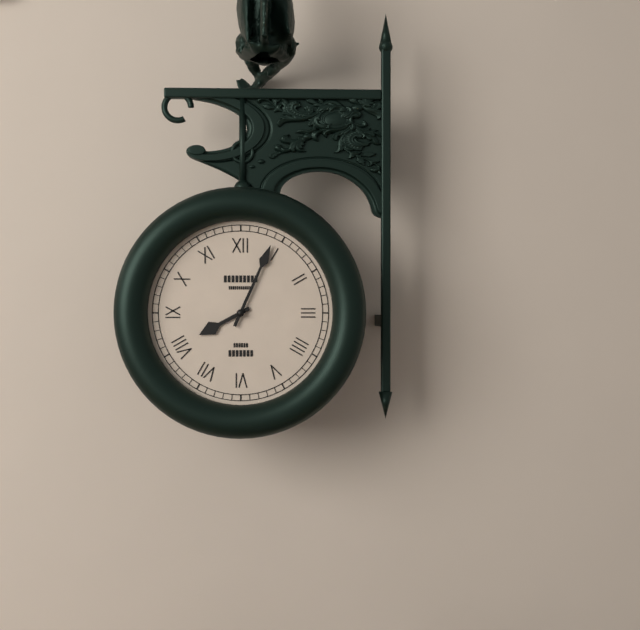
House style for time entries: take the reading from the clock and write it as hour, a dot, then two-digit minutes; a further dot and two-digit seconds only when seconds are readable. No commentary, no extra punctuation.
8.04
